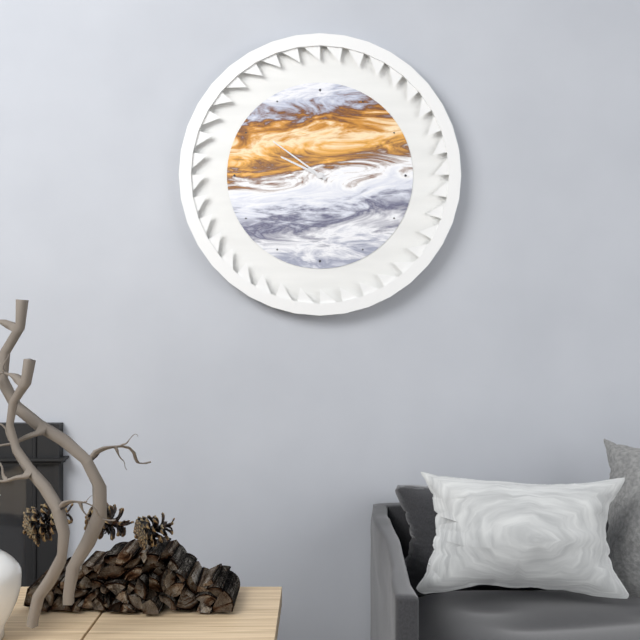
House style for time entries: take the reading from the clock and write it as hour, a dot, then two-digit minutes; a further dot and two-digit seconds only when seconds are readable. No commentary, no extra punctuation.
9.51
